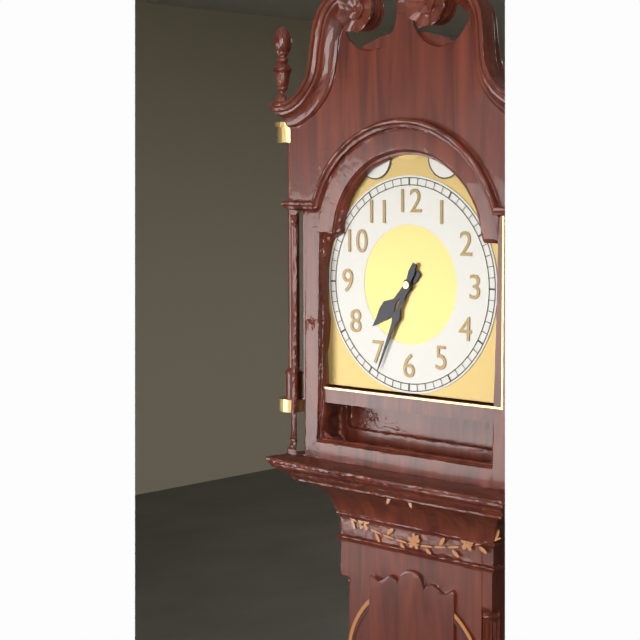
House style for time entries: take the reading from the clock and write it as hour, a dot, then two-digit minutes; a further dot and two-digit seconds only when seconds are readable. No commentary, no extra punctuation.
7.34
